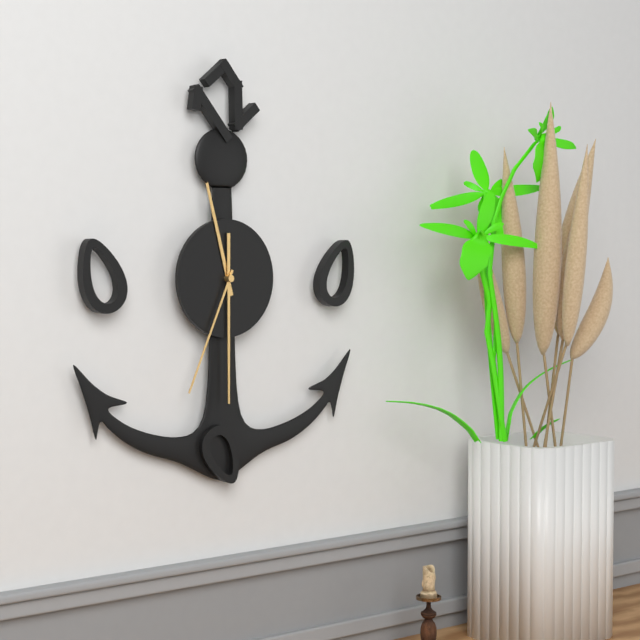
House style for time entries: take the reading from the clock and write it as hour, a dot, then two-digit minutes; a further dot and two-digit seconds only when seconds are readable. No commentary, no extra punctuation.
11.30.34
